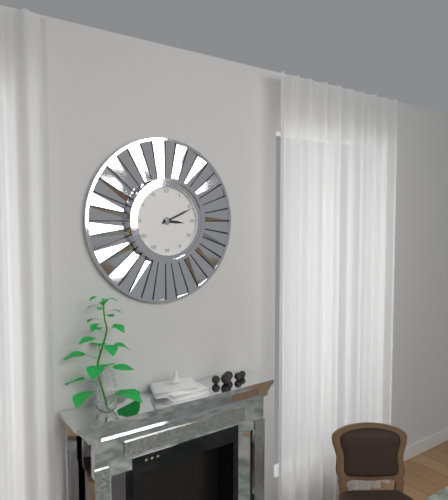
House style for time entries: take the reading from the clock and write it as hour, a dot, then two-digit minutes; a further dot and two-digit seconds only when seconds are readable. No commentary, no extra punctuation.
3.11
